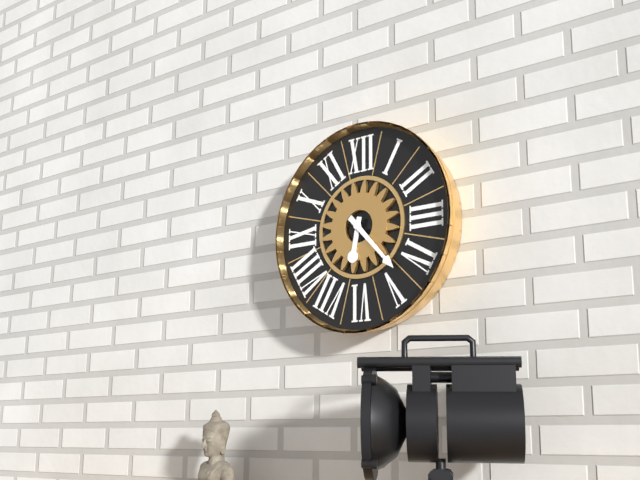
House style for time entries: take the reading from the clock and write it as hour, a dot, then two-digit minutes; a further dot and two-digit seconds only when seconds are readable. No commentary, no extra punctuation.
6.23
